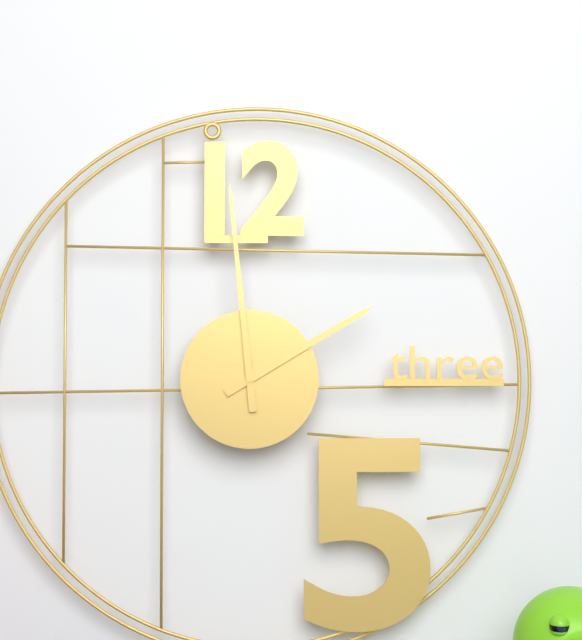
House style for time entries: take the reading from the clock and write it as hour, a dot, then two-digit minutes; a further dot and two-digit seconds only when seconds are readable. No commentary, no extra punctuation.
1.59
